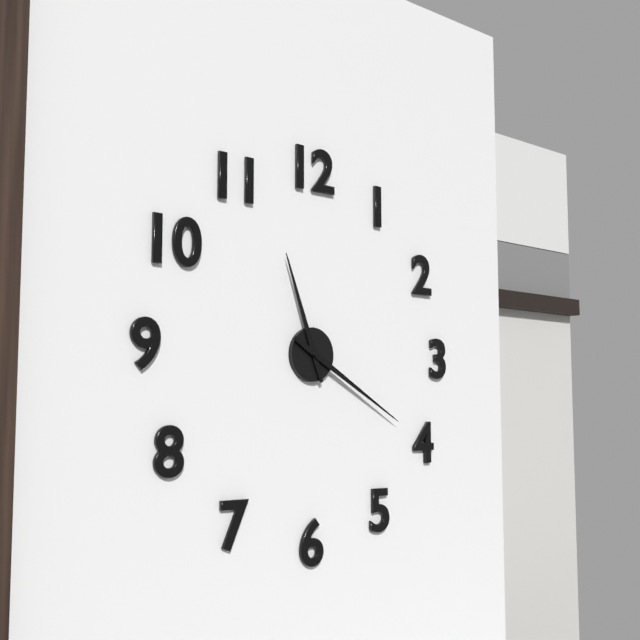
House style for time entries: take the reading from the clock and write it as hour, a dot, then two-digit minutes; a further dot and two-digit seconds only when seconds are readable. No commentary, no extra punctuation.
11.20
